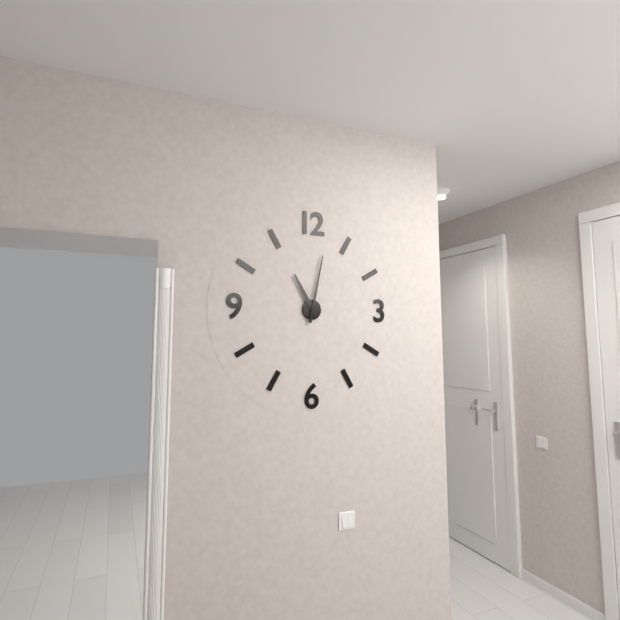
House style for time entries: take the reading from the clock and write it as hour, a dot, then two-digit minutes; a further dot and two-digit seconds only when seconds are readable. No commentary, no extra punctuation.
11.02
